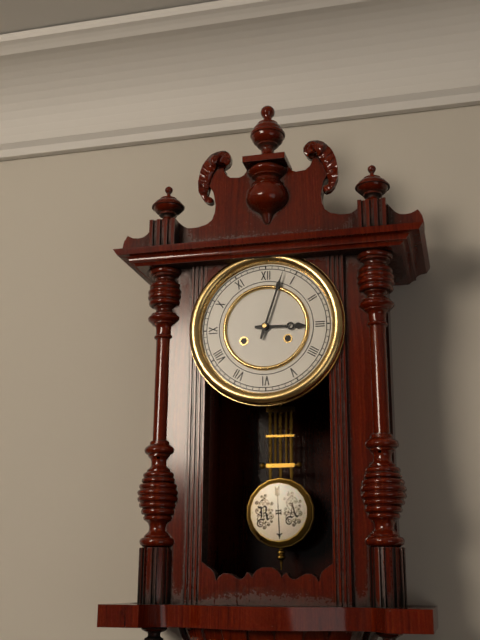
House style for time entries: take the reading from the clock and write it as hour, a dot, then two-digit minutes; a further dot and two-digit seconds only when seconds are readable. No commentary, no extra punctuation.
3.03
